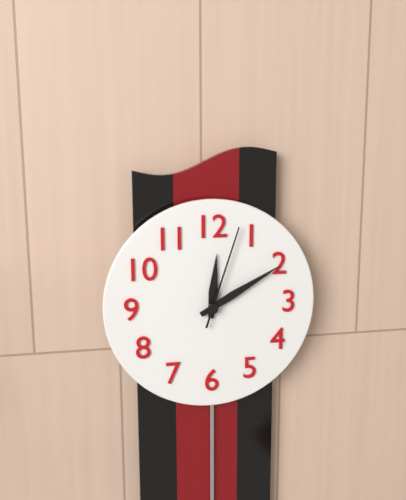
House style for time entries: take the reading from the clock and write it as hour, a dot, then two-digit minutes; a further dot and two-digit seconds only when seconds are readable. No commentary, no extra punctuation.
12.10.03
